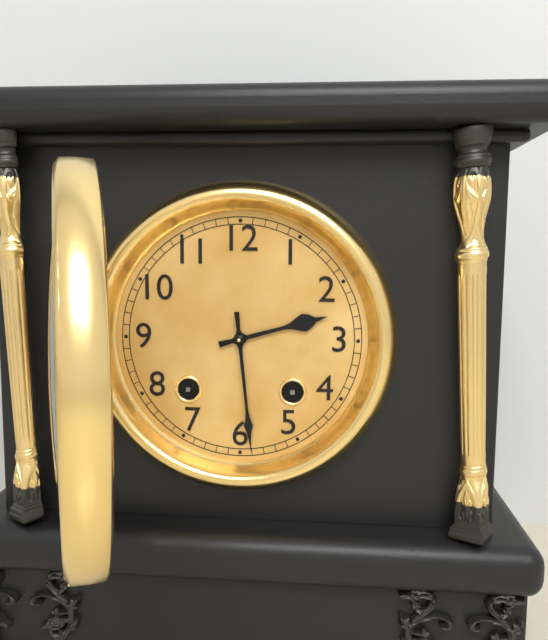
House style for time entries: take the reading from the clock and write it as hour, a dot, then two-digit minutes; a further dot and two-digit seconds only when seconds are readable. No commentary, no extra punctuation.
2.29
